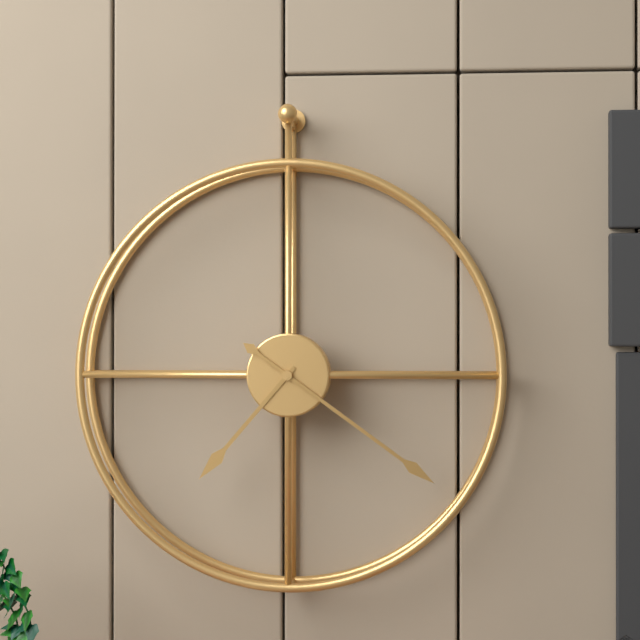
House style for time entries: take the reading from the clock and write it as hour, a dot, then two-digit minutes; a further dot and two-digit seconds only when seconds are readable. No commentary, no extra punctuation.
7.21
